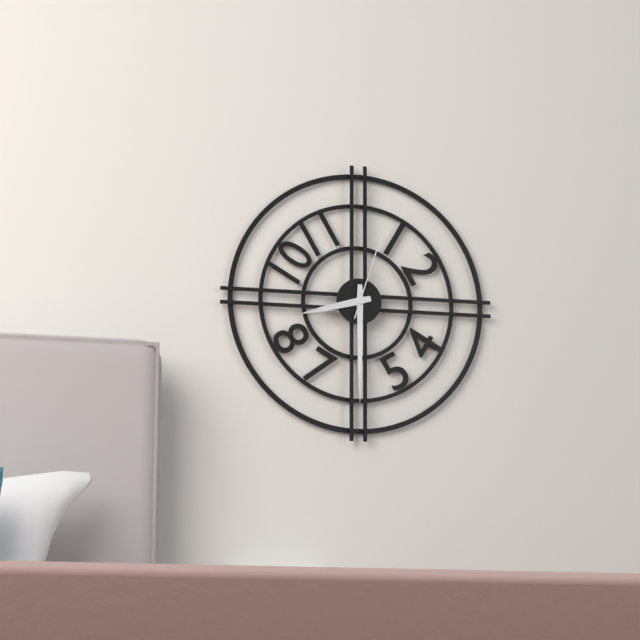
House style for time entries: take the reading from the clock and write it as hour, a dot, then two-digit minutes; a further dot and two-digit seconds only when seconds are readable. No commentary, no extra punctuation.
8.30.03
